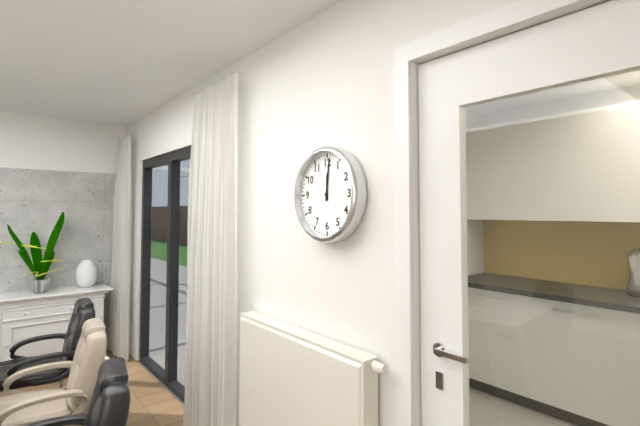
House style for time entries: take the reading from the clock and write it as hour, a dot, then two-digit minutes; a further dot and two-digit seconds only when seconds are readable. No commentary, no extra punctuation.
12.01
